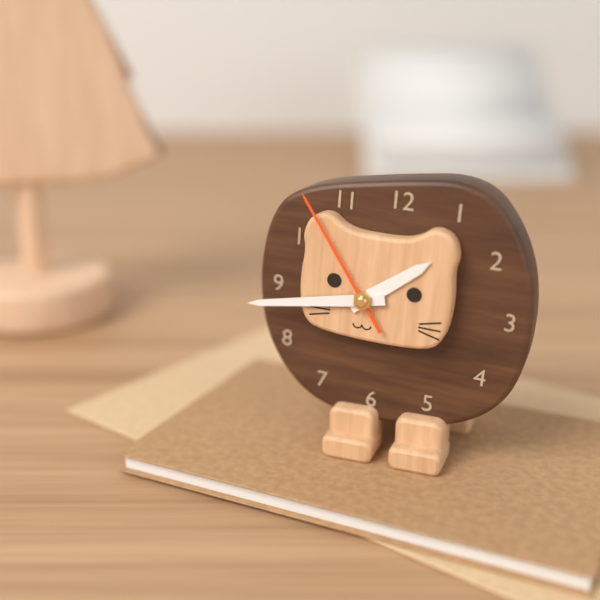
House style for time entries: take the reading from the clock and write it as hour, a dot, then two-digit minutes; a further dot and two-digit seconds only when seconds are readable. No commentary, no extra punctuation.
1.43.54
